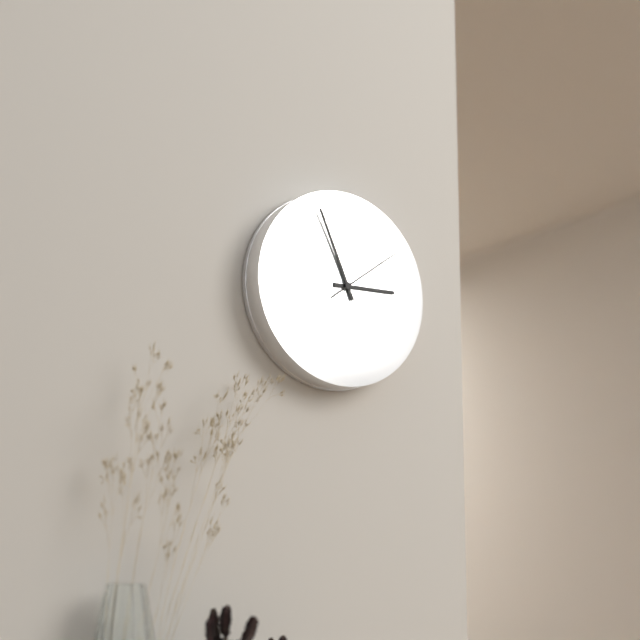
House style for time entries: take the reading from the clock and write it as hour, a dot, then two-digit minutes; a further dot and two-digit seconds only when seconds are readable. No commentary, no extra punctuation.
2.56.09
